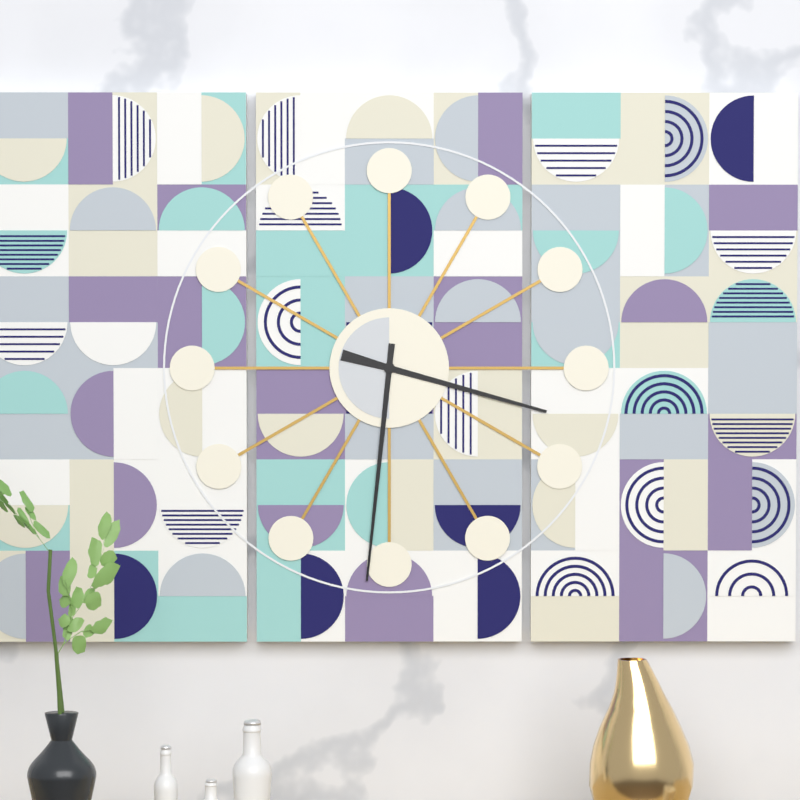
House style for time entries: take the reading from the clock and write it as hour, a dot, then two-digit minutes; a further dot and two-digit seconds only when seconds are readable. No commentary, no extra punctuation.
3.31
